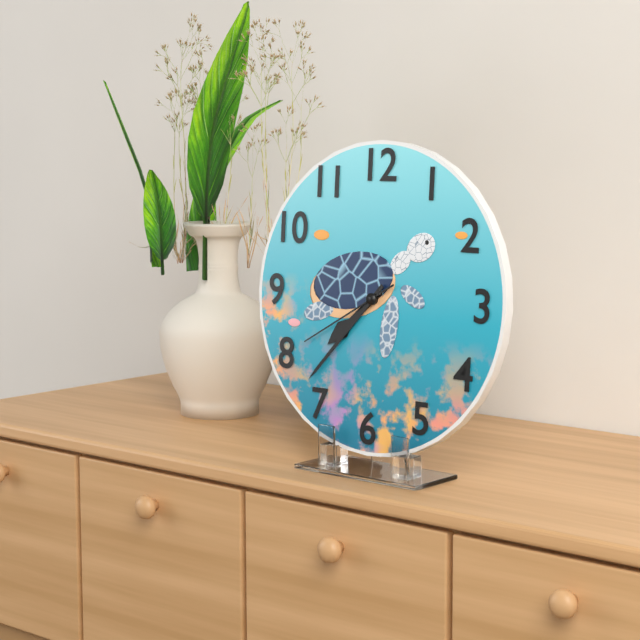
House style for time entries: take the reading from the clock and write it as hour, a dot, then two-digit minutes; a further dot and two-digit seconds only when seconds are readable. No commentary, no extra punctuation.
7.37.40
